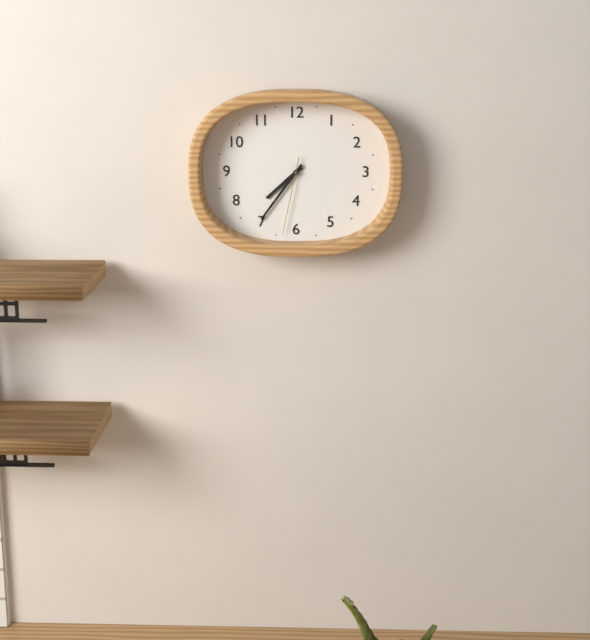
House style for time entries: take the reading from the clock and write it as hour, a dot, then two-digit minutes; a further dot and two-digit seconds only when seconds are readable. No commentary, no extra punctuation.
7.36.32
